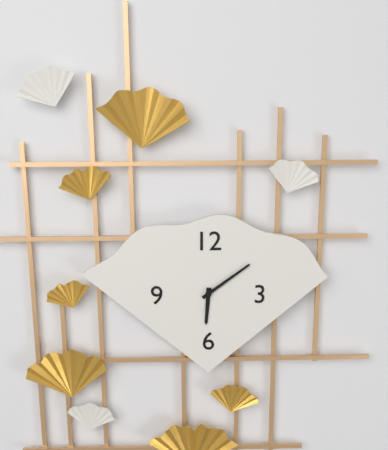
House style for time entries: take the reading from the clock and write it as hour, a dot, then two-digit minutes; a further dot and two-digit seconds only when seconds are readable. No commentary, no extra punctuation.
6.09
